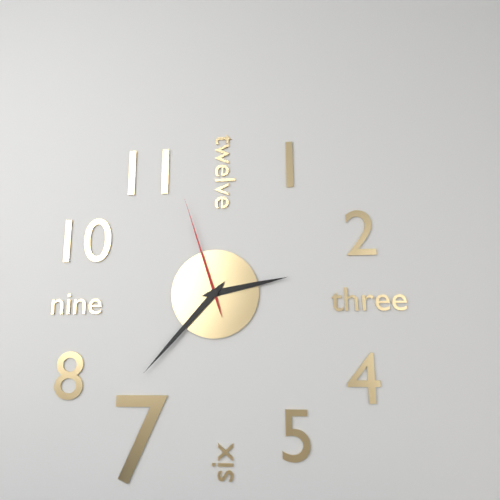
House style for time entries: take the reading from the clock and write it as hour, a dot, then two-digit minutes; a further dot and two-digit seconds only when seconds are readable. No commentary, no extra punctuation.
2.37.57
